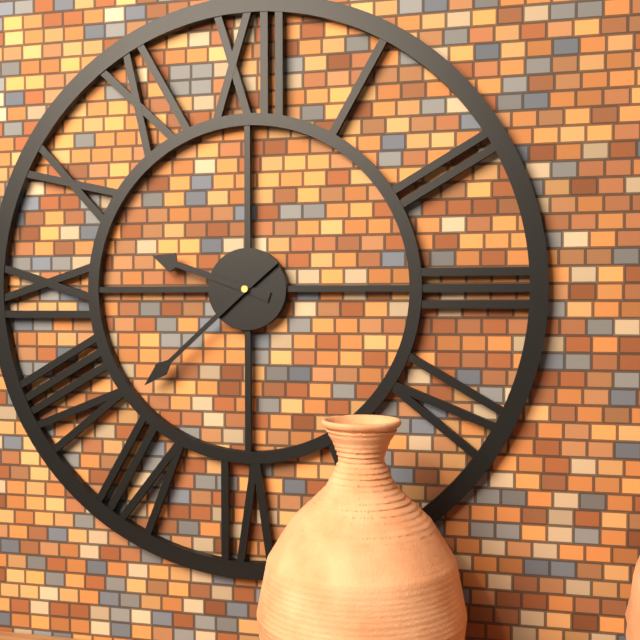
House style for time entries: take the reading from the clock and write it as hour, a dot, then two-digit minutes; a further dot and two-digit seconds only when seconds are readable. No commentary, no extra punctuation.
9.38
